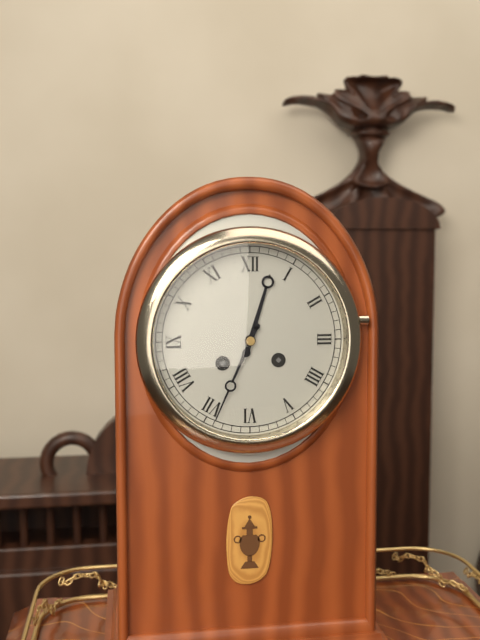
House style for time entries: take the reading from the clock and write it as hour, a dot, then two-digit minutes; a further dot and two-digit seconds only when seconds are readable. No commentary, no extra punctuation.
12.34
